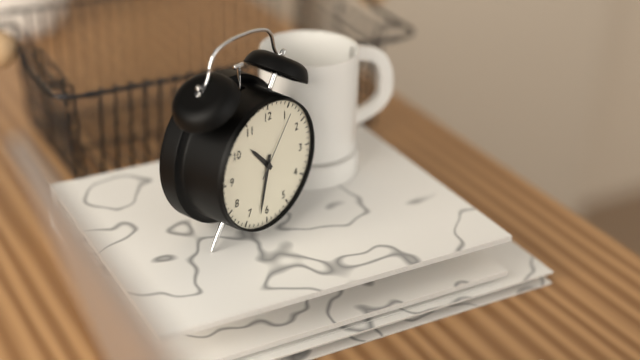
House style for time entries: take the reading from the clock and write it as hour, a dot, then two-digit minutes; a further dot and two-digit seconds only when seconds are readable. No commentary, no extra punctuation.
10.32.06
